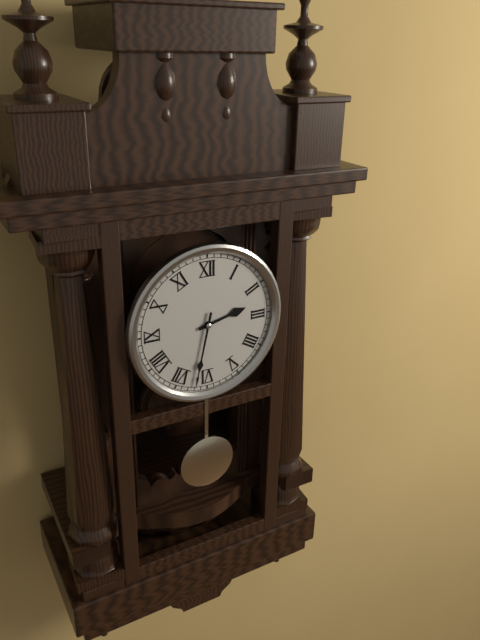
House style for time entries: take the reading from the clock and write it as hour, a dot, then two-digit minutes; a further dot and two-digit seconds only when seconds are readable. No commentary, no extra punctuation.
2.32
